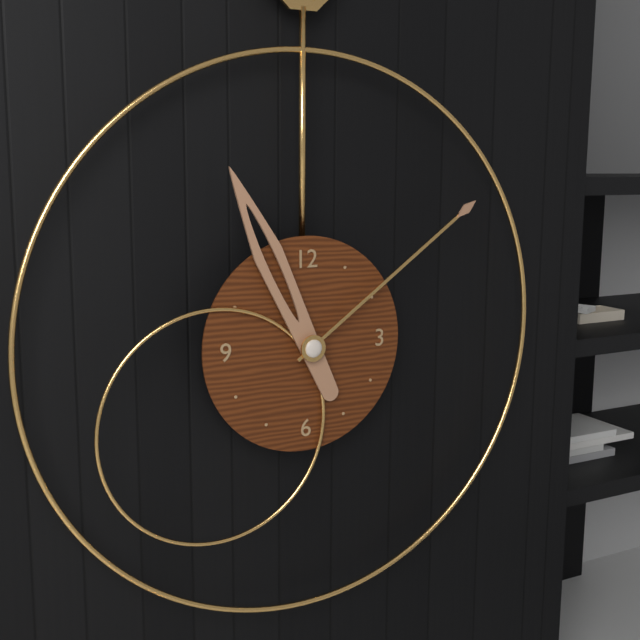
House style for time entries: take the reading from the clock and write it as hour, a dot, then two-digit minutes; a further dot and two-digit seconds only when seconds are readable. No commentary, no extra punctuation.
11.09
